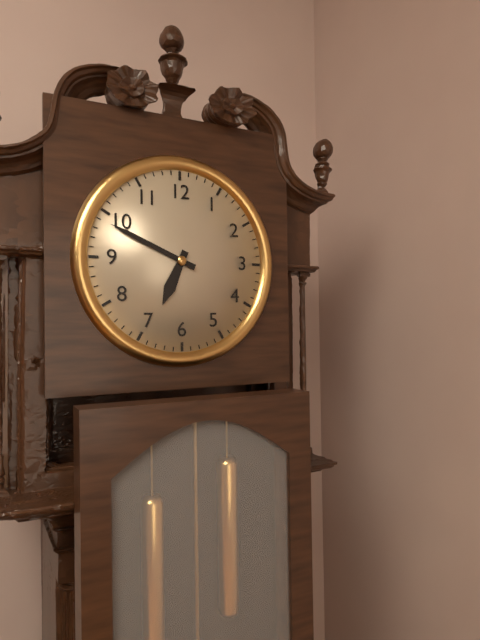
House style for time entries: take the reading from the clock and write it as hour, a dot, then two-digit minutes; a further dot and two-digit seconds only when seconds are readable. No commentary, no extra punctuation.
6.49
